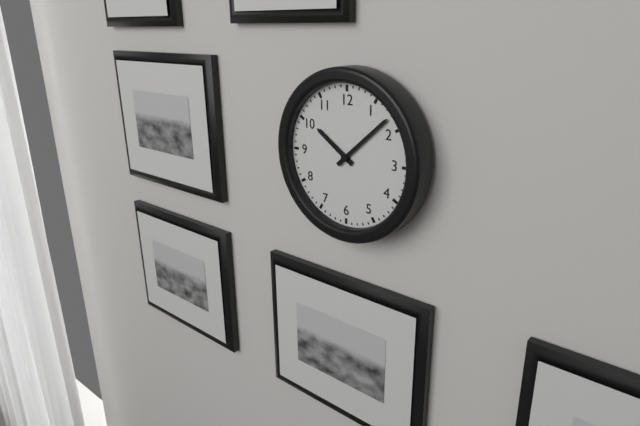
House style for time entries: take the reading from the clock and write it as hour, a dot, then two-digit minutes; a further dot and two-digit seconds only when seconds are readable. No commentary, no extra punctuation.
10.08
